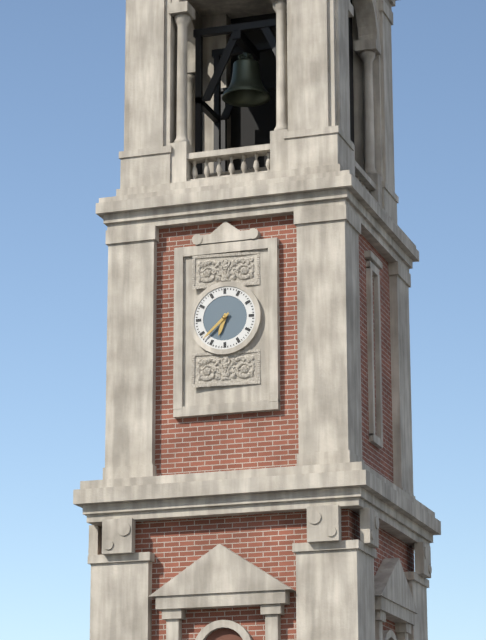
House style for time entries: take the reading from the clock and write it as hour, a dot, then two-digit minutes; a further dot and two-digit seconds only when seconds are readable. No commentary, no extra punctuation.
6.38
